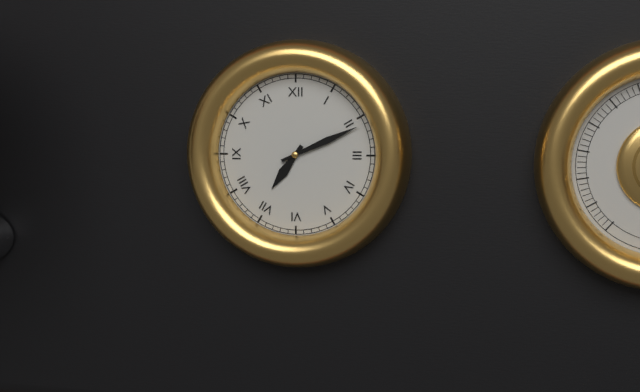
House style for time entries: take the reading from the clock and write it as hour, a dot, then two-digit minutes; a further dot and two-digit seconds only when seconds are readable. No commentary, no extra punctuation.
7.11
